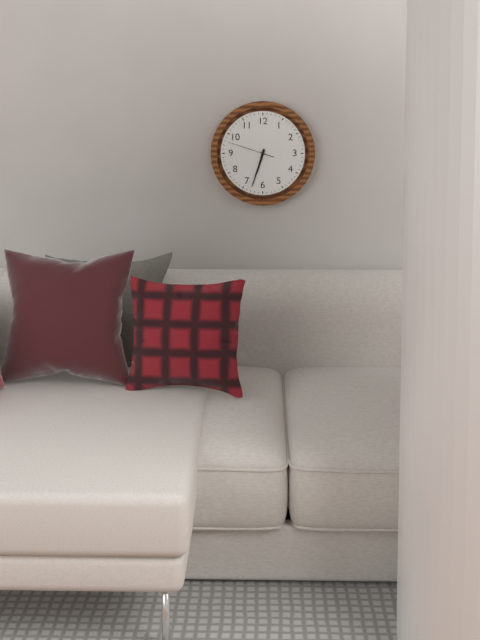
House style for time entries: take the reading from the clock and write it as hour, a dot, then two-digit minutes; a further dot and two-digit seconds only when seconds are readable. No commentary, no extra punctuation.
6.33
